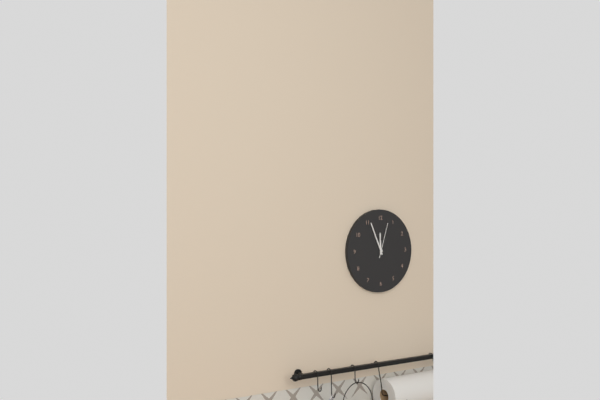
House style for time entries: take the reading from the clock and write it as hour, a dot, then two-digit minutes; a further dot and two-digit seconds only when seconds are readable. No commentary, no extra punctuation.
11.56
